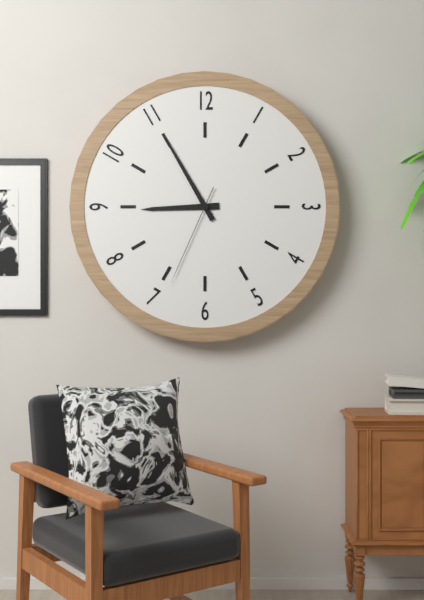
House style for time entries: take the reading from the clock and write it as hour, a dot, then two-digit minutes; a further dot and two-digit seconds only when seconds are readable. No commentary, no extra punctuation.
8.55.34
